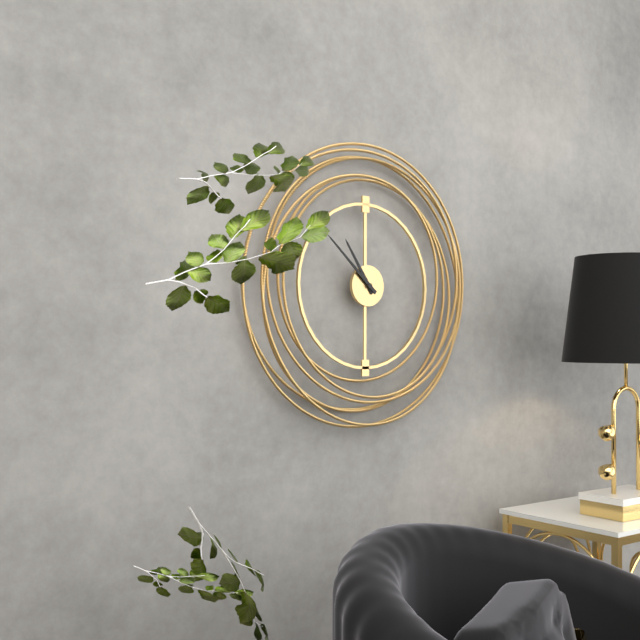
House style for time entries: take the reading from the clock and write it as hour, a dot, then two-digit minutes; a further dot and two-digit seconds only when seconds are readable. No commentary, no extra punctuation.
10.52
